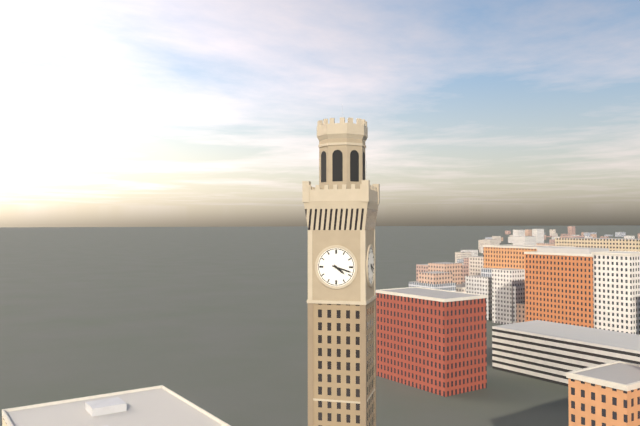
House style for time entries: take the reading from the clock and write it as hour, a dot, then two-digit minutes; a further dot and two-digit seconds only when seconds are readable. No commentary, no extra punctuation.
4.18
